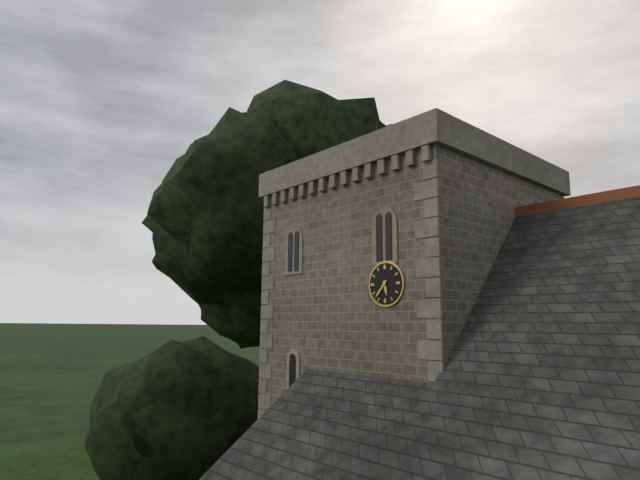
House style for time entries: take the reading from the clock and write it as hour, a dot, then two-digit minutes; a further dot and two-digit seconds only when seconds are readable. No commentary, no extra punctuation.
5.37
